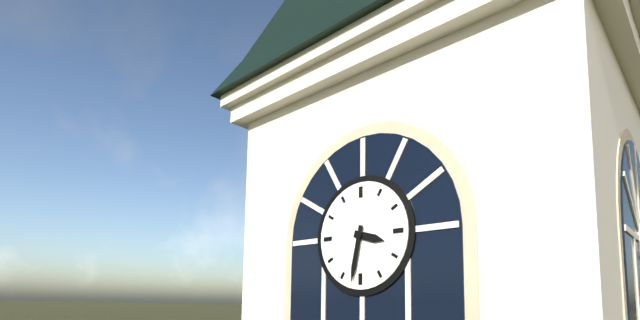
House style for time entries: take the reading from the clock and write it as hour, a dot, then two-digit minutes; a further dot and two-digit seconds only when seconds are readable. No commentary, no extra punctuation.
3.32
